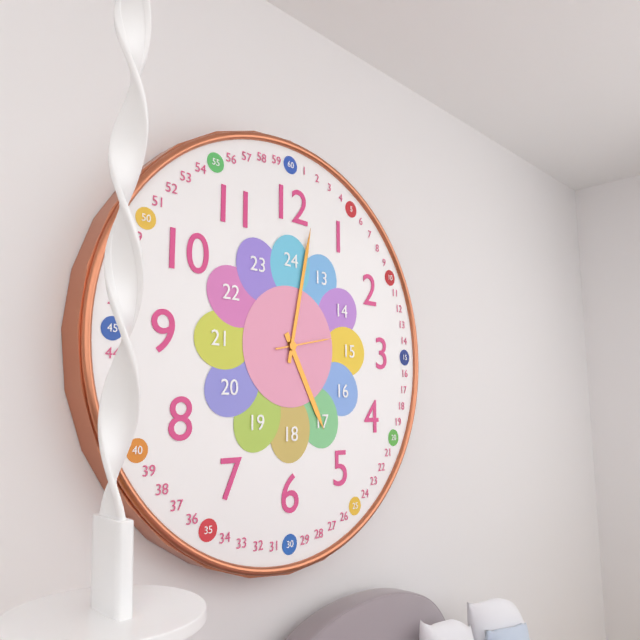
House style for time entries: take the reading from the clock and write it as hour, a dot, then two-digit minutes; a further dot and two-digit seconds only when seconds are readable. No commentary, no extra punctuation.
5.02.13
